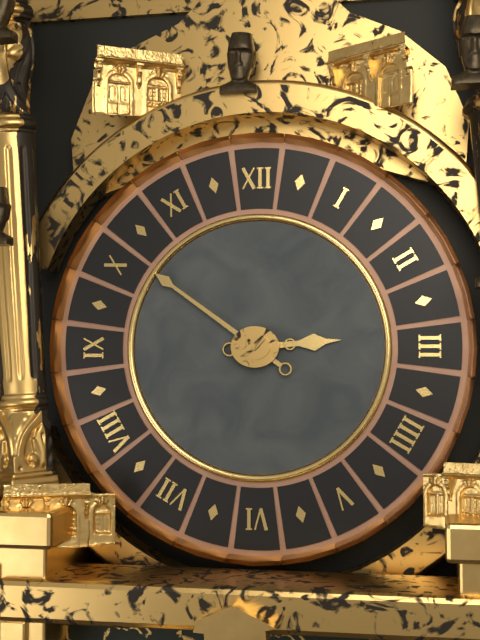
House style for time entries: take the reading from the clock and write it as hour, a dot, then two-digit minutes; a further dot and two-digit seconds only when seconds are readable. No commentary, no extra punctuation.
2.51
